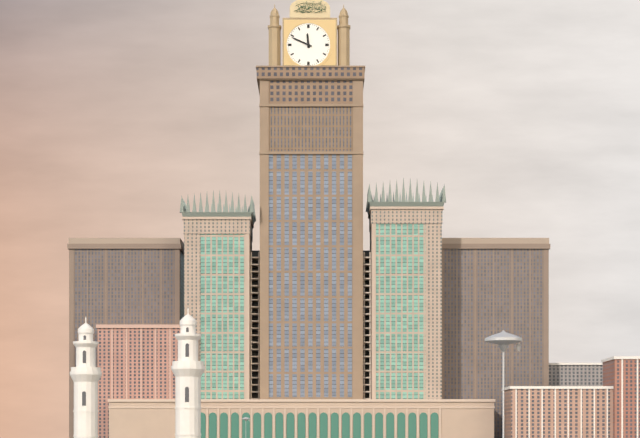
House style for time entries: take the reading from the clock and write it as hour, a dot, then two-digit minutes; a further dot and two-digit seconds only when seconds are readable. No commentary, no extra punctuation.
11.49
